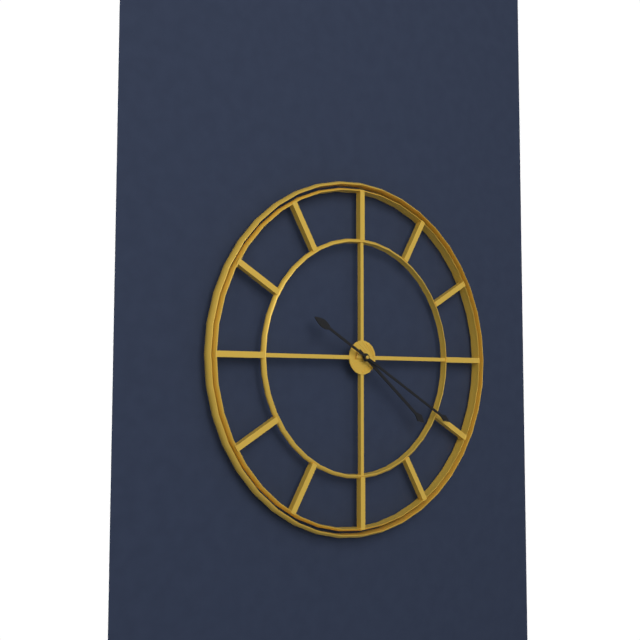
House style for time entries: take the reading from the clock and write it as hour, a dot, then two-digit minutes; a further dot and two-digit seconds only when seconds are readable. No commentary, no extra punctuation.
4.20
